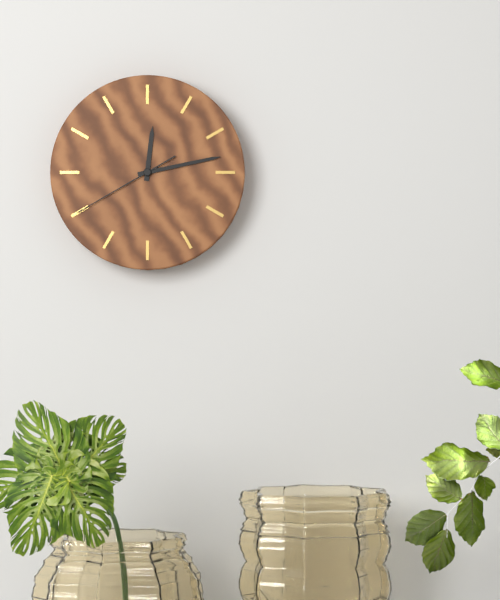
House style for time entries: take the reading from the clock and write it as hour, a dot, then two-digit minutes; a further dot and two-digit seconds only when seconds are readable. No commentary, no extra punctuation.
12.13.40
